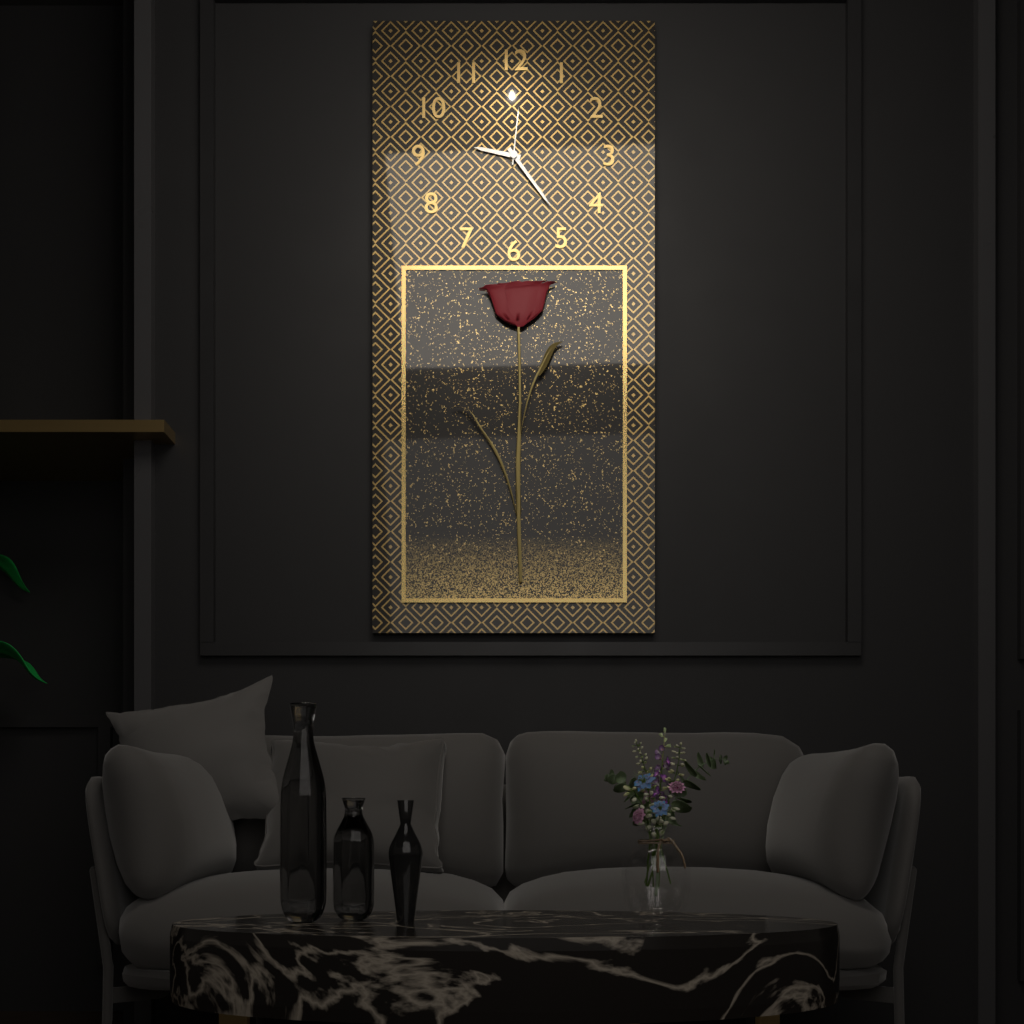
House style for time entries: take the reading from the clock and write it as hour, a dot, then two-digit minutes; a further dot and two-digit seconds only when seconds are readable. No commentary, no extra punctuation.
9.24.01
